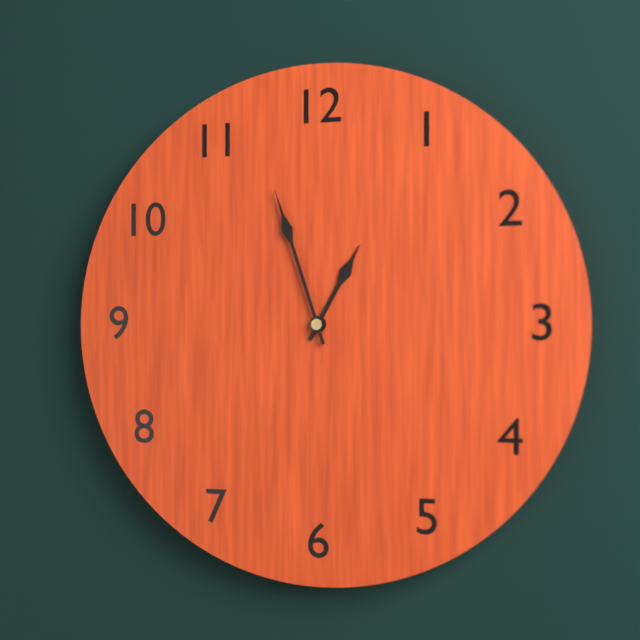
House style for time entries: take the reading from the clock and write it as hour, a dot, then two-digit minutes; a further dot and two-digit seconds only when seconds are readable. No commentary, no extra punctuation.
12.57
